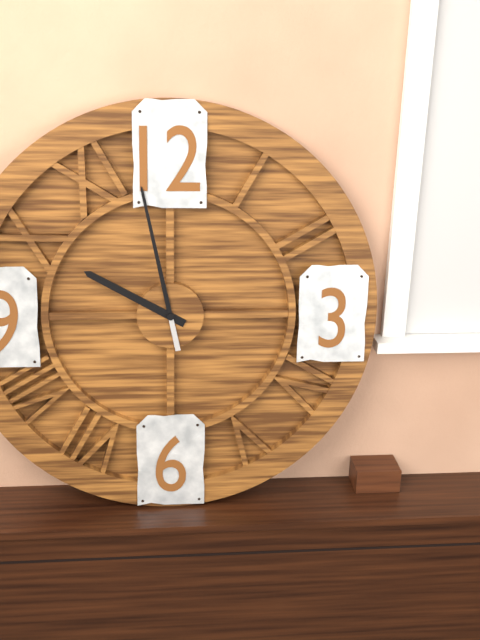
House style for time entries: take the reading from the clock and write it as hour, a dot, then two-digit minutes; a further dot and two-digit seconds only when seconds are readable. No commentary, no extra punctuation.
9.58
